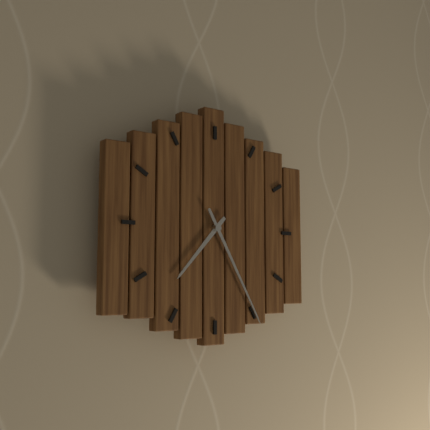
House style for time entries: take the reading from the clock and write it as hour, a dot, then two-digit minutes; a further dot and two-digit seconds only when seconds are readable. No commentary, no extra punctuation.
7.25
